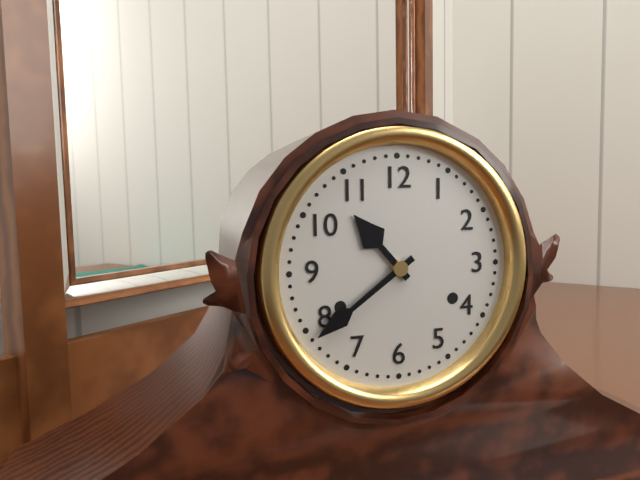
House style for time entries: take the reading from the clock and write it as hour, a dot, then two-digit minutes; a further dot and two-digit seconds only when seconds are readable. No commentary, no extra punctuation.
10.39
